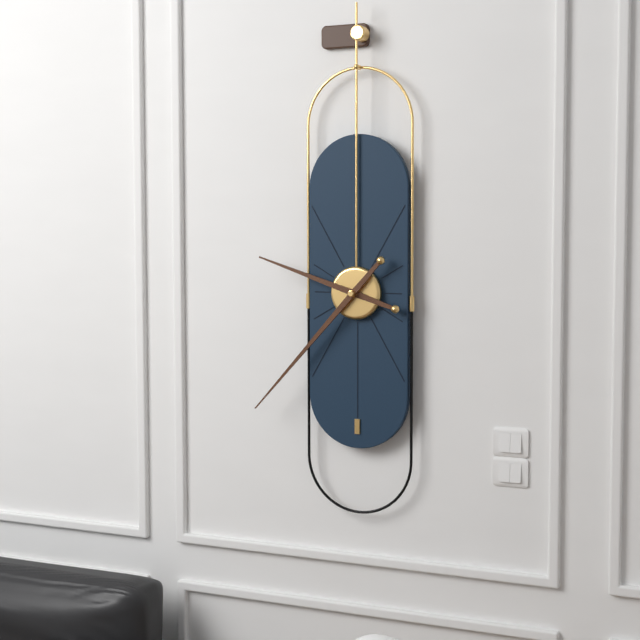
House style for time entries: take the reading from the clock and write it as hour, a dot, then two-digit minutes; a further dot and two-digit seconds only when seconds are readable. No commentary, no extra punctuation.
9.37
